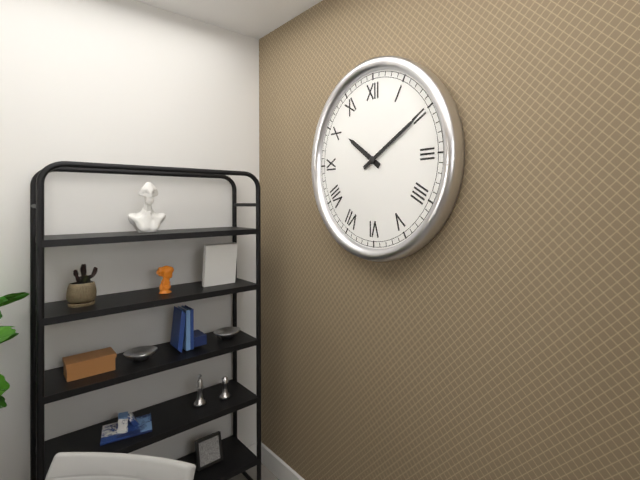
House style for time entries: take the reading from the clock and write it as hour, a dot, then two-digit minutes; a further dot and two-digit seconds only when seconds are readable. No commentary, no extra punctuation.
10.10
